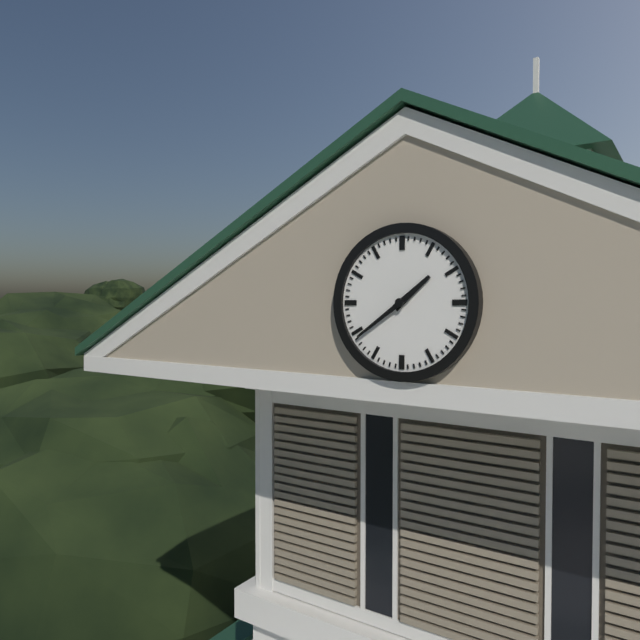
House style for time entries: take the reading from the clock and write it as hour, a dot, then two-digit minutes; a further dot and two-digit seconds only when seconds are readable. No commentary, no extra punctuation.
1.39
